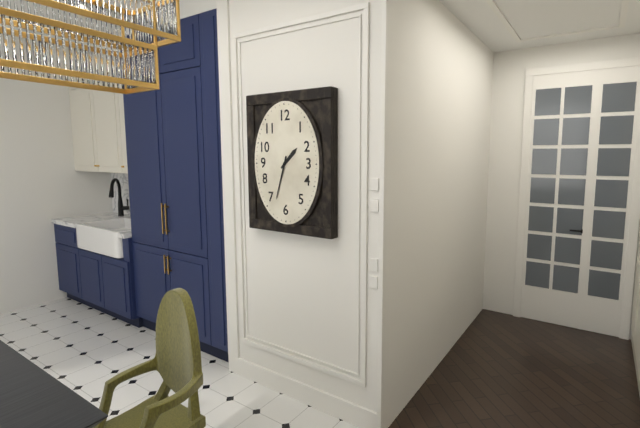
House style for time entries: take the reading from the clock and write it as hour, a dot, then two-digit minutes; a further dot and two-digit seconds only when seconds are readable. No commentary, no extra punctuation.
1.33
